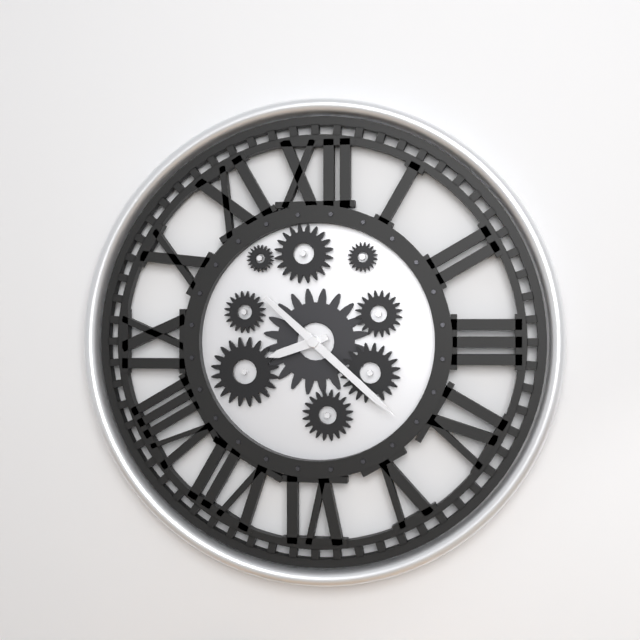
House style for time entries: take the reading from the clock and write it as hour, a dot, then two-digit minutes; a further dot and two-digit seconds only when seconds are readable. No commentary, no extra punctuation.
8.22
